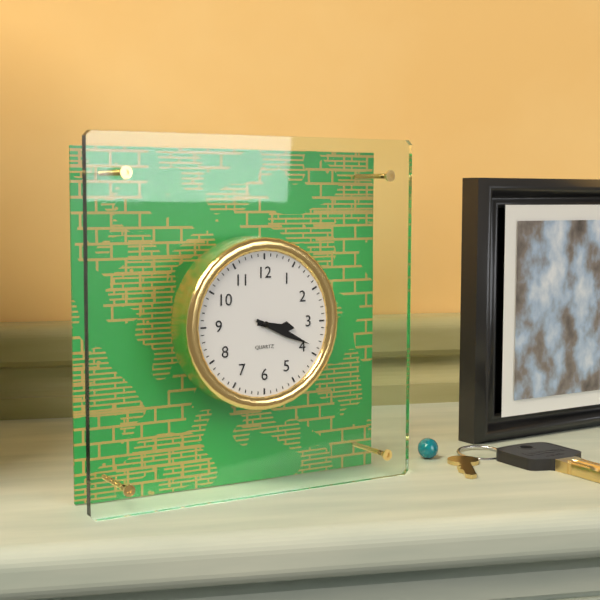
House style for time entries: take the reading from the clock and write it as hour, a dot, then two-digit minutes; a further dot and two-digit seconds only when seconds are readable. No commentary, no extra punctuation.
3.19
